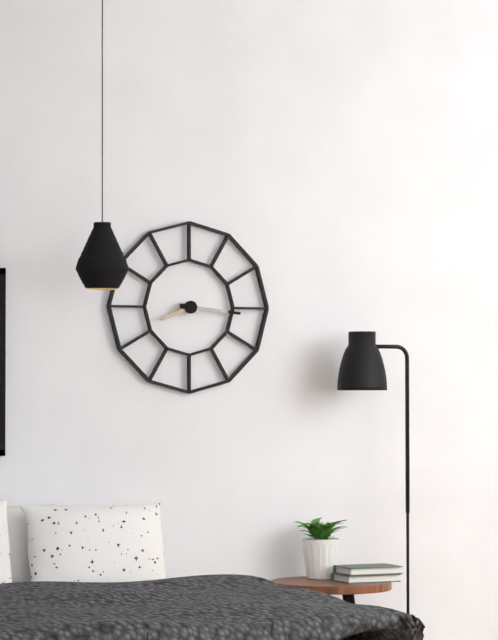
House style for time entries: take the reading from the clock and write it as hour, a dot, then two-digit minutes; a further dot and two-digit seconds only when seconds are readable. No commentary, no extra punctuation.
8.16
